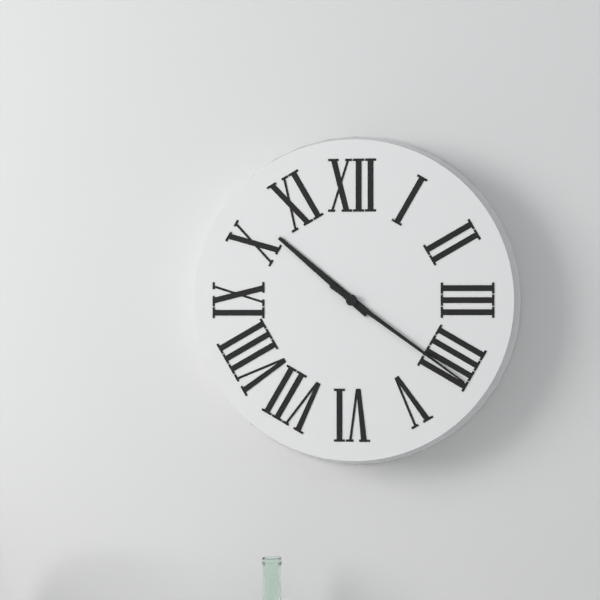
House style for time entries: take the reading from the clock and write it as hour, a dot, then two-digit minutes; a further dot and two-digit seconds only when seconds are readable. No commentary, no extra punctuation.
10.21
